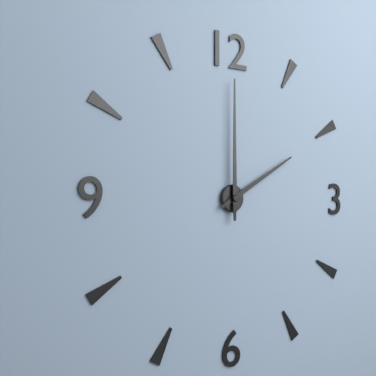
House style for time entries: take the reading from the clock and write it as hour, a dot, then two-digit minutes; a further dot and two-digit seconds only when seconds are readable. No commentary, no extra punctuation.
2.00
